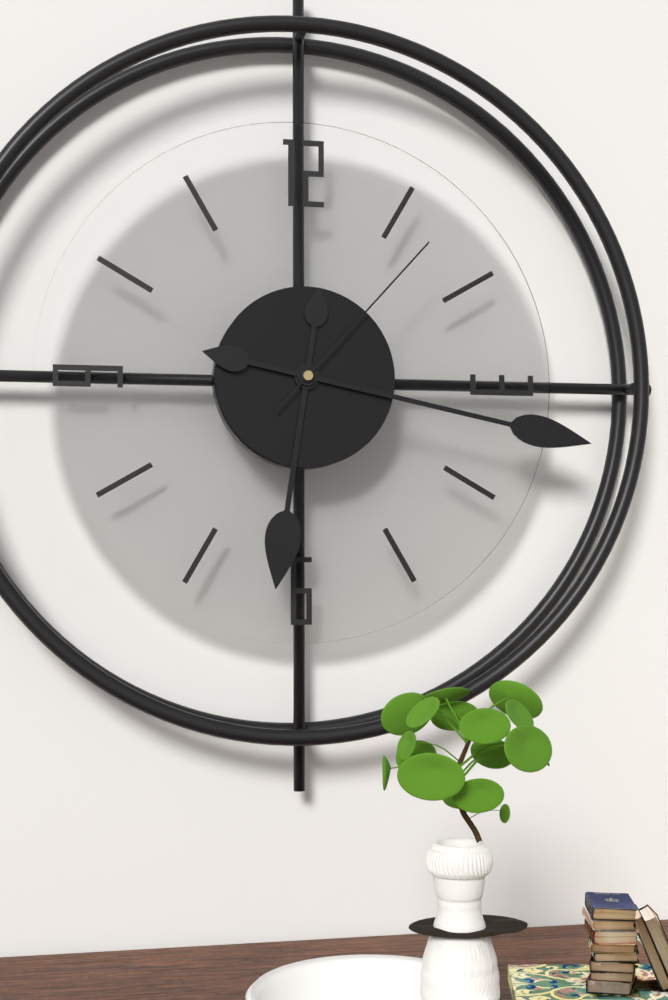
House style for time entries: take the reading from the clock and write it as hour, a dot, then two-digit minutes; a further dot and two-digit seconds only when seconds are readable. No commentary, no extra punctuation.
6.17.07
